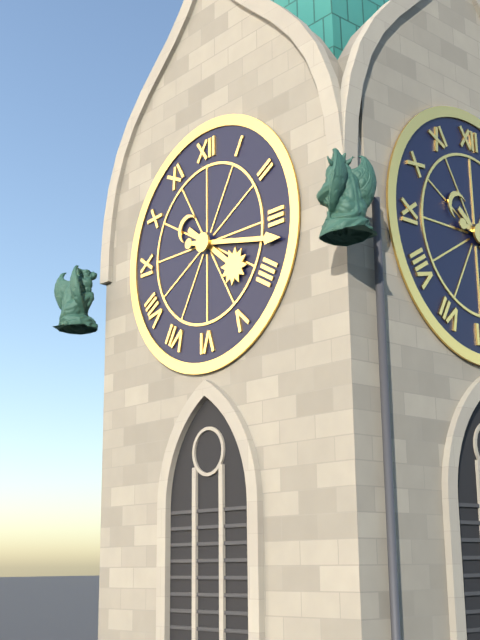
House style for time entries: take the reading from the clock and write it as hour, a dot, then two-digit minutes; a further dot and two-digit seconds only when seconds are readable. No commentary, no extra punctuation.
4.17
